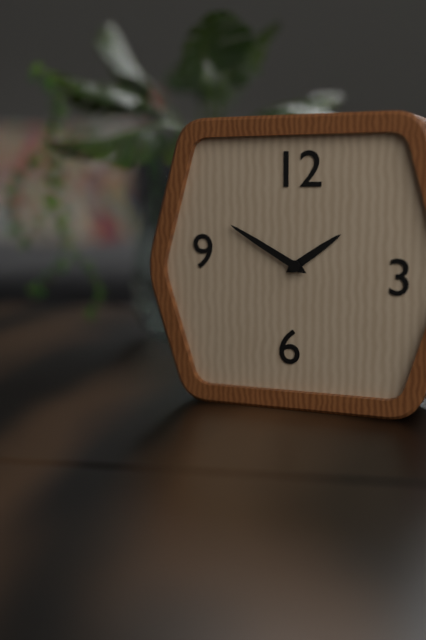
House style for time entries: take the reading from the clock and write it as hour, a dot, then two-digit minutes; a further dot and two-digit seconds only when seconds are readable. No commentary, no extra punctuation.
1.50
